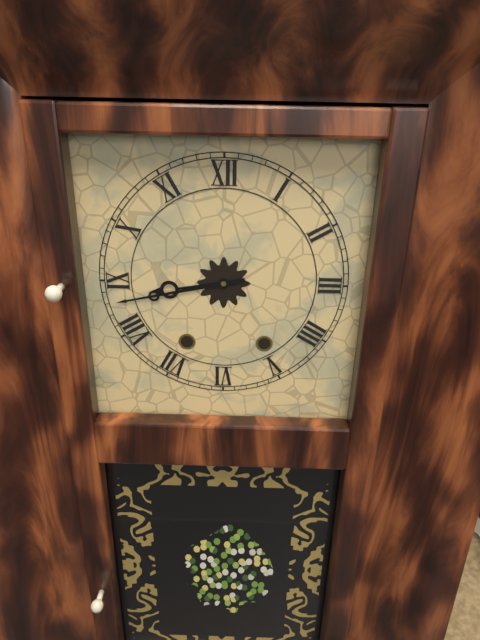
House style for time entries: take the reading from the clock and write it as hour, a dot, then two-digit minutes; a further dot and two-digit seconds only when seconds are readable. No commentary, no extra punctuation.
8.43
